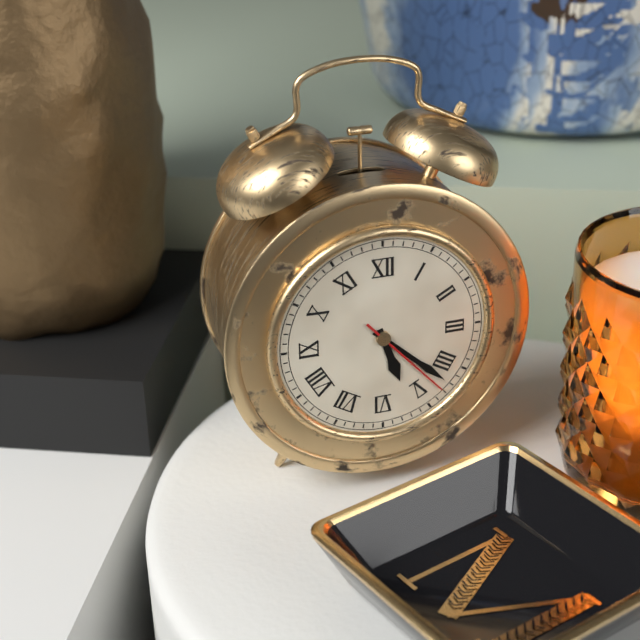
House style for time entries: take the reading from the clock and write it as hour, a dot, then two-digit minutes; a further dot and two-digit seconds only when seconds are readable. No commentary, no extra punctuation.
5.22.23
